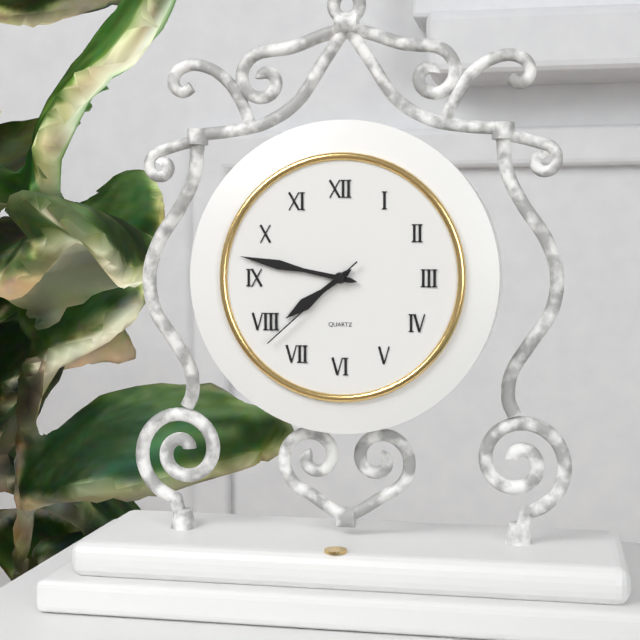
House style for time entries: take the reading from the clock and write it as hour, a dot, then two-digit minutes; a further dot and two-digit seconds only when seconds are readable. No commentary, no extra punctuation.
7.47.38
